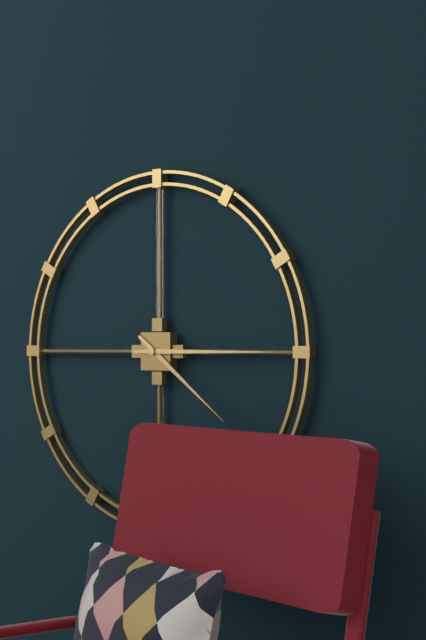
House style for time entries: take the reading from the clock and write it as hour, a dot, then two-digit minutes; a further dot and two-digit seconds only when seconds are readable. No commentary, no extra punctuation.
4.15
